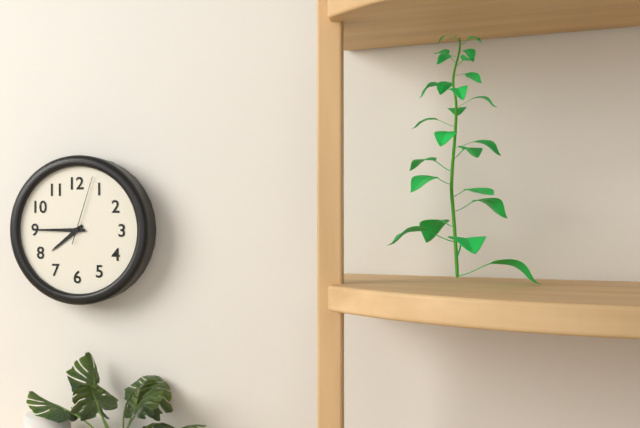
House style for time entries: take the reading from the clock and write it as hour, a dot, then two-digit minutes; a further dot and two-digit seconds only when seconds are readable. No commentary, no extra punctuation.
7.45.03
